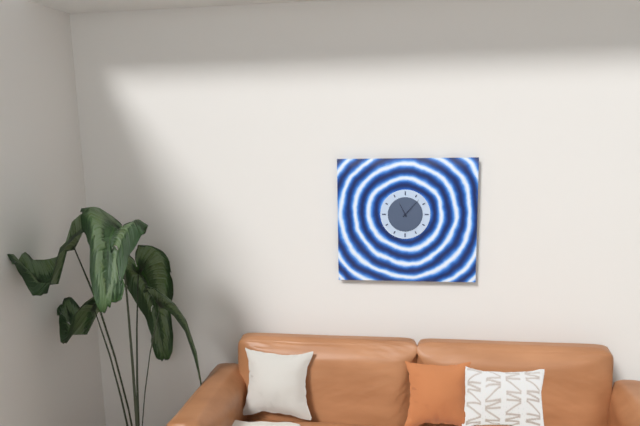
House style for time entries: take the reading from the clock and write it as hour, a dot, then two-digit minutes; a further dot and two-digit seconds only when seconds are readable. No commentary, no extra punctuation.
11.07
